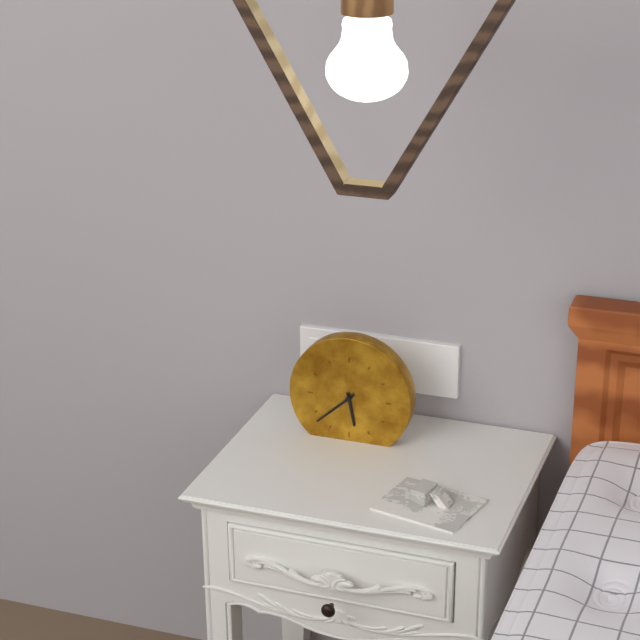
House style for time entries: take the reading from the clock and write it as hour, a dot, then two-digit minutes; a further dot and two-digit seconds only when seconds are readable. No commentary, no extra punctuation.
5.38
